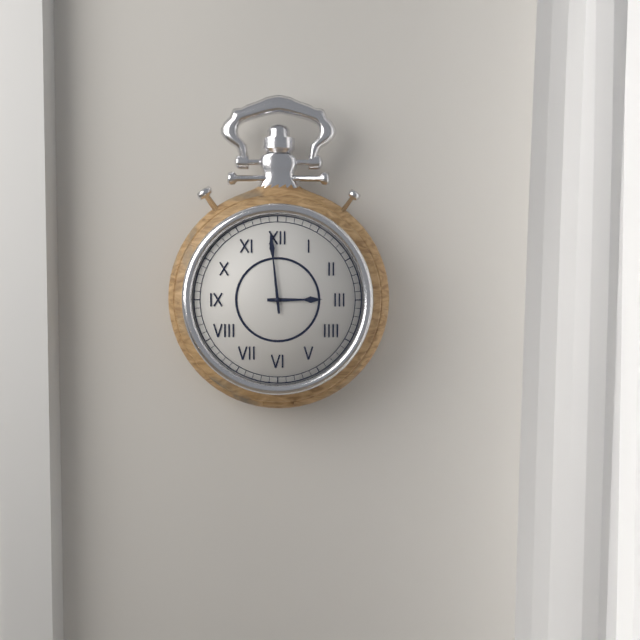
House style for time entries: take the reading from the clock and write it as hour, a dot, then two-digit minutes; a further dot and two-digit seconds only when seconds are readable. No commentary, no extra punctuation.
2.59
